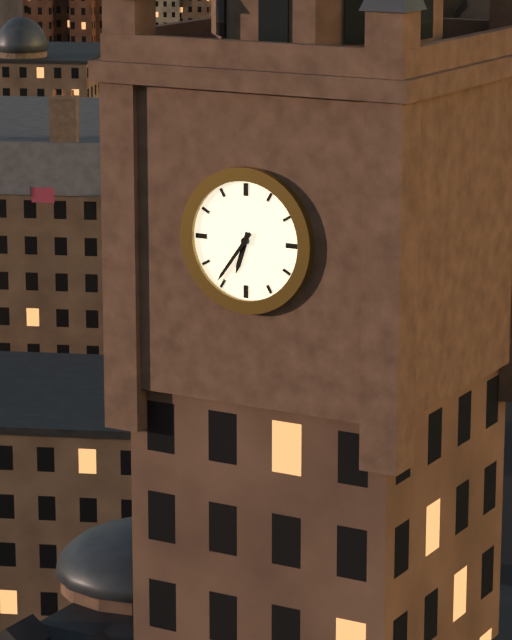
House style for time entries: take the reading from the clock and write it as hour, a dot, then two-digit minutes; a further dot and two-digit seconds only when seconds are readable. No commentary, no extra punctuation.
6.36
